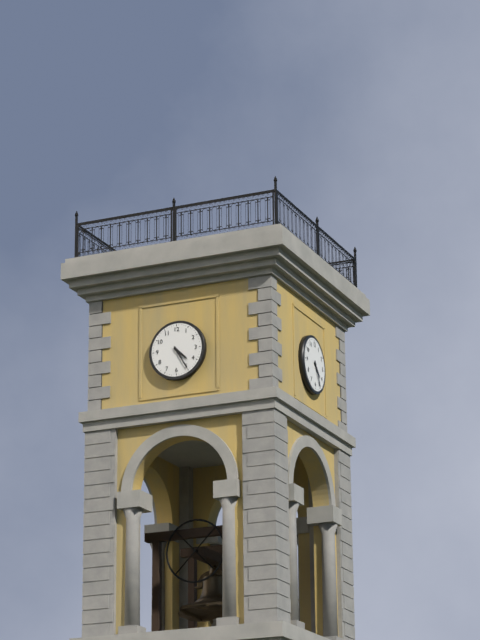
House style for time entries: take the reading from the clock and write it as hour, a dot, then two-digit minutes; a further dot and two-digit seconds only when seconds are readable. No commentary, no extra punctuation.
4.25
